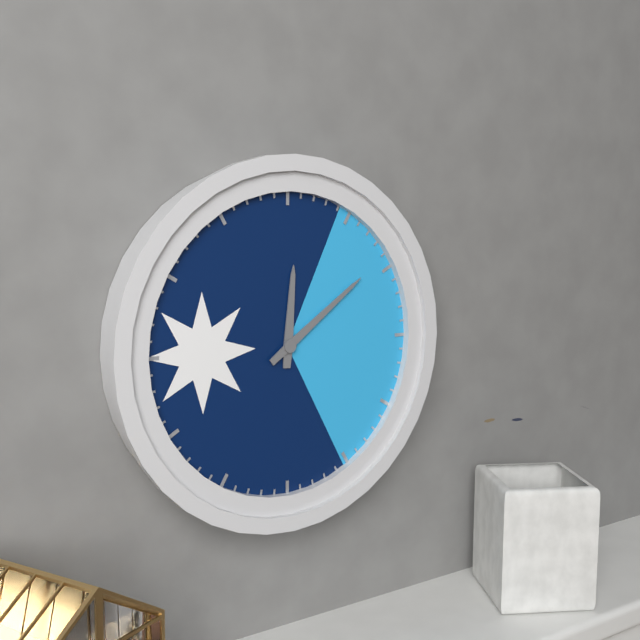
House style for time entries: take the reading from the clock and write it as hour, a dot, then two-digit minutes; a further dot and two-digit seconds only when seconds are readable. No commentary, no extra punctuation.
12.09
